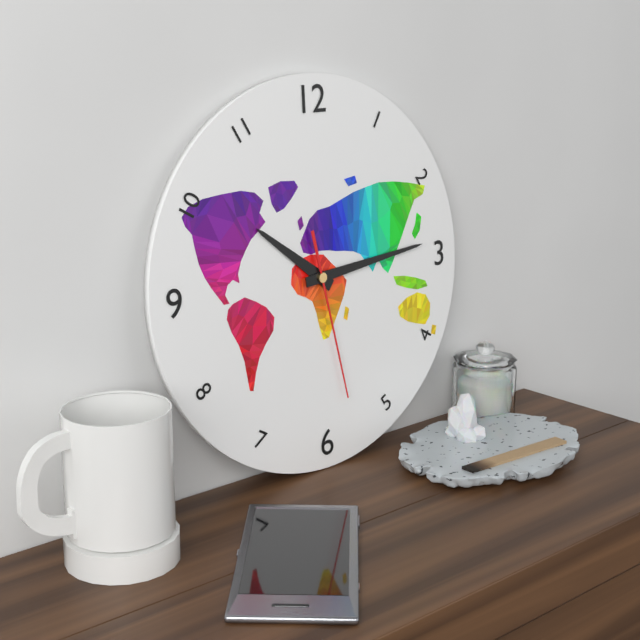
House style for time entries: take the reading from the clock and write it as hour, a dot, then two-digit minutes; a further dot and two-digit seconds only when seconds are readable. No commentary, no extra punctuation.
10.14.28
